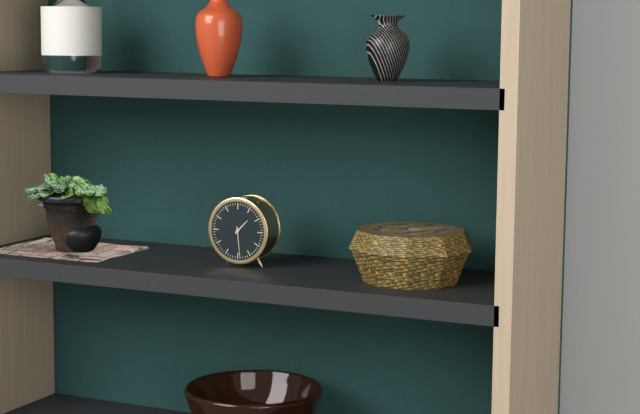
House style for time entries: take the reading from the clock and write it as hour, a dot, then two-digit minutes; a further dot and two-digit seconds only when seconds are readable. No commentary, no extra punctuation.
1.29
